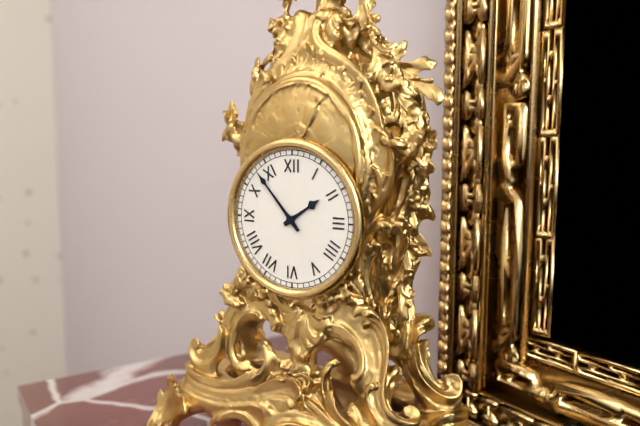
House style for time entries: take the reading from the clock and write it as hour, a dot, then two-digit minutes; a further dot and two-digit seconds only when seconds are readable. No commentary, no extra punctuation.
1.53
